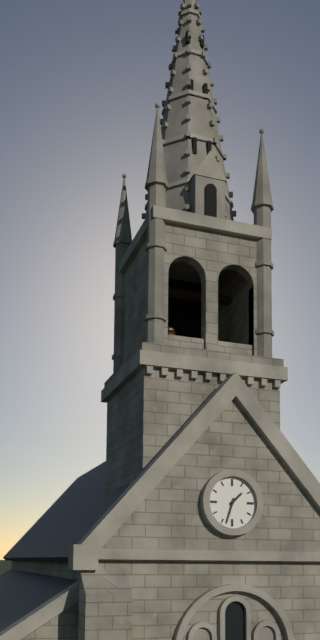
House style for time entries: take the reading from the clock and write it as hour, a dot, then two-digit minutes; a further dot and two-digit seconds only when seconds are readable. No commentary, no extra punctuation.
1.33
